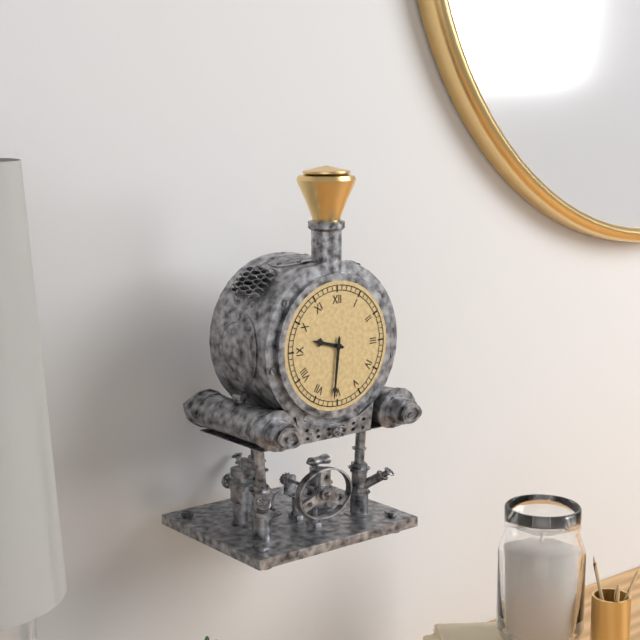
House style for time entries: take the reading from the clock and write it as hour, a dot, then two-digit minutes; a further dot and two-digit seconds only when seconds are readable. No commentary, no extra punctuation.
9.31
